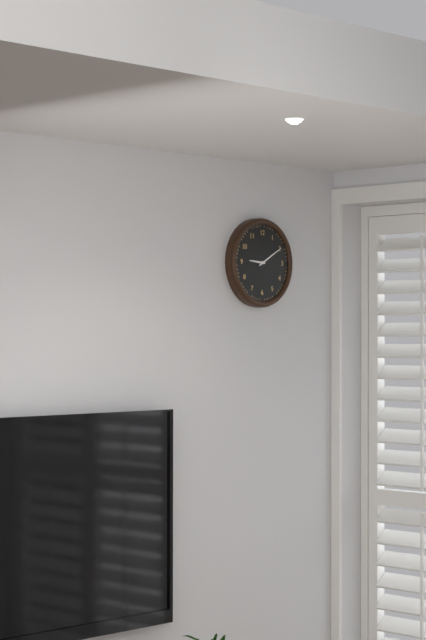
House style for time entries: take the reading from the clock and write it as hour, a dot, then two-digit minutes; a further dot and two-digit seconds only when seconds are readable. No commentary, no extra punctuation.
9.10
